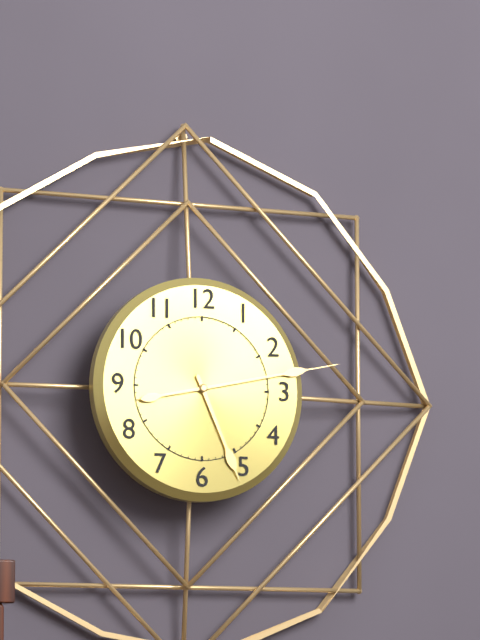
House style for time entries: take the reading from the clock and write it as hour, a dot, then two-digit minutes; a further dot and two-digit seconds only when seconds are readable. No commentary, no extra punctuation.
5.13
